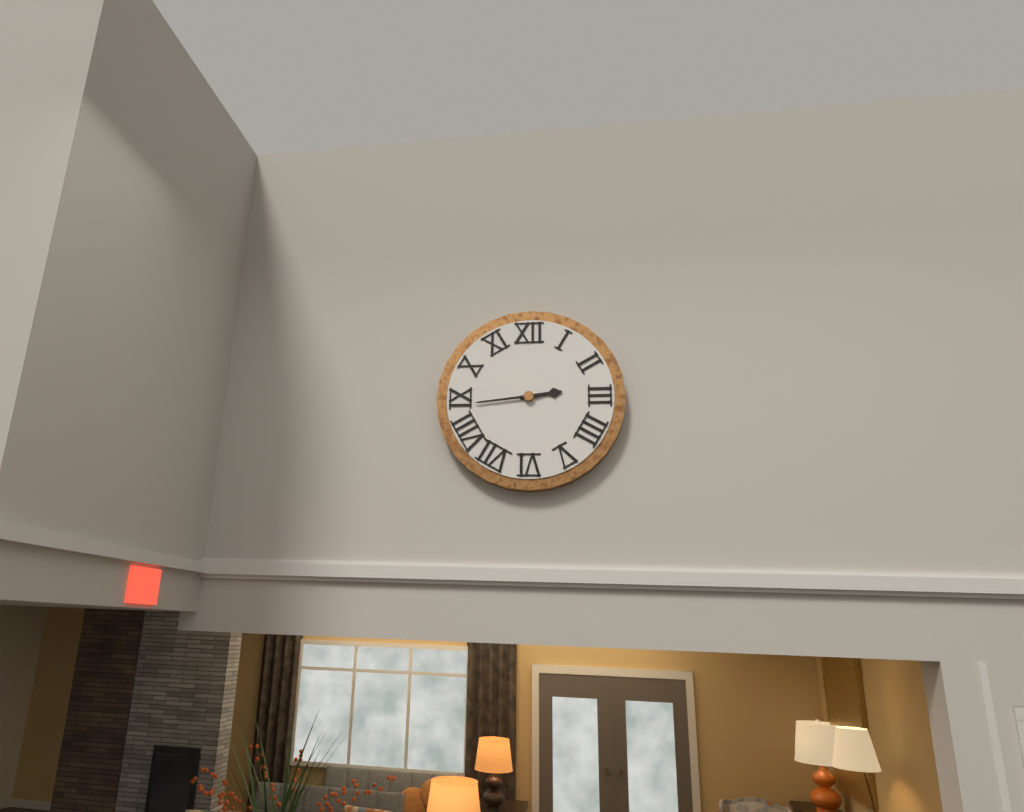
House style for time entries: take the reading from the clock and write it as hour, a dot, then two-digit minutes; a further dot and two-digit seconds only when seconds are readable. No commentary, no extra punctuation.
2.44
